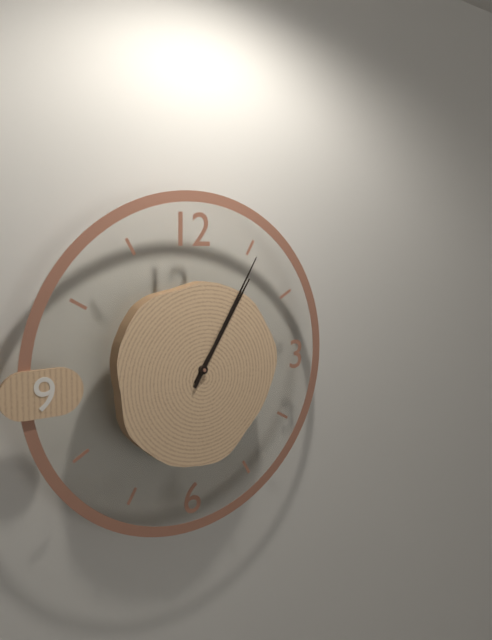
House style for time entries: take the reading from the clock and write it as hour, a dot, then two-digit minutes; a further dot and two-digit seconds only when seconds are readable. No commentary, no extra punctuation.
1.05
